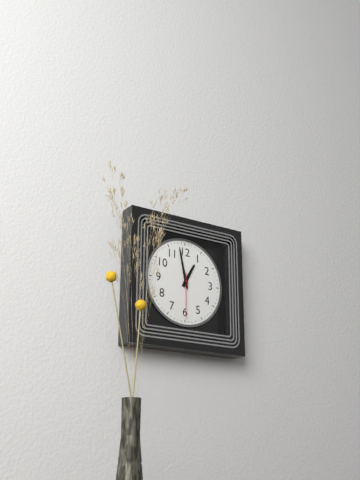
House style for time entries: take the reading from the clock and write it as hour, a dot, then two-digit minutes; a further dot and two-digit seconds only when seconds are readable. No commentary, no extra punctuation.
12.58
